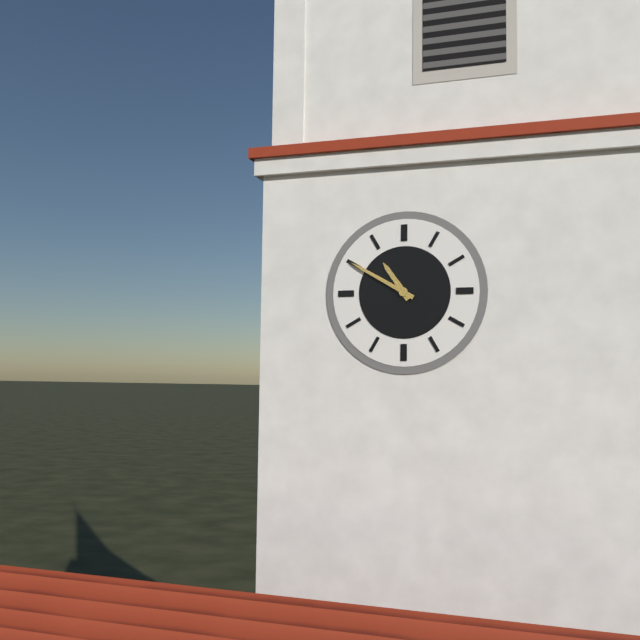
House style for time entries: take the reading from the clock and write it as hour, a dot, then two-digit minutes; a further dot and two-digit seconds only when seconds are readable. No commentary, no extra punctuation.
10.50
